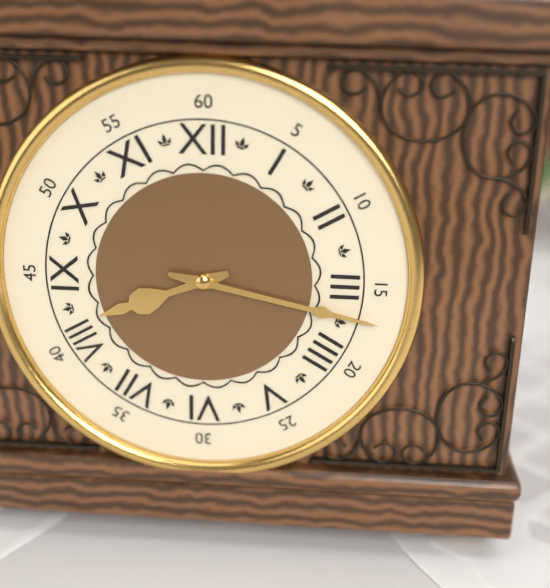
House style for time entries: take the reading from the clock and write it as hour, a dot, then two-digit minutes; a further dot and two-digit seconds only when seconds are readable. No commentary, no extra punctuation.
8.17
